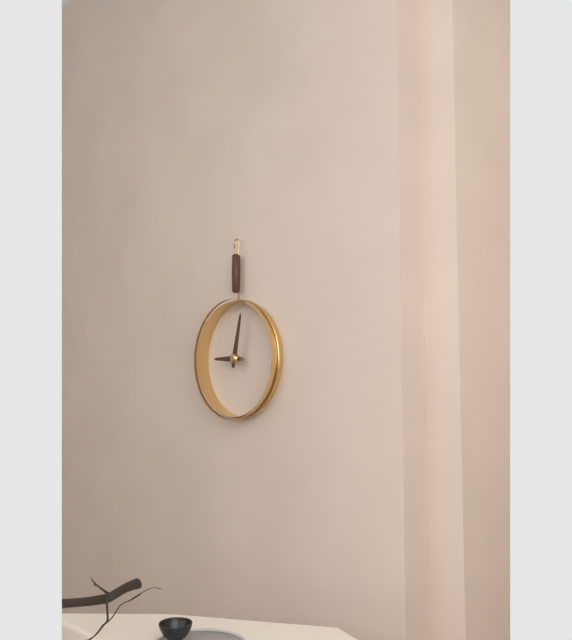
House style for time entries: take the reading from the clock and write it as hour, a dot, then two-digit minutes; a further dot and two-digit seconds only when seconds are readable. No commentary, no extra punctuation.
9.02
